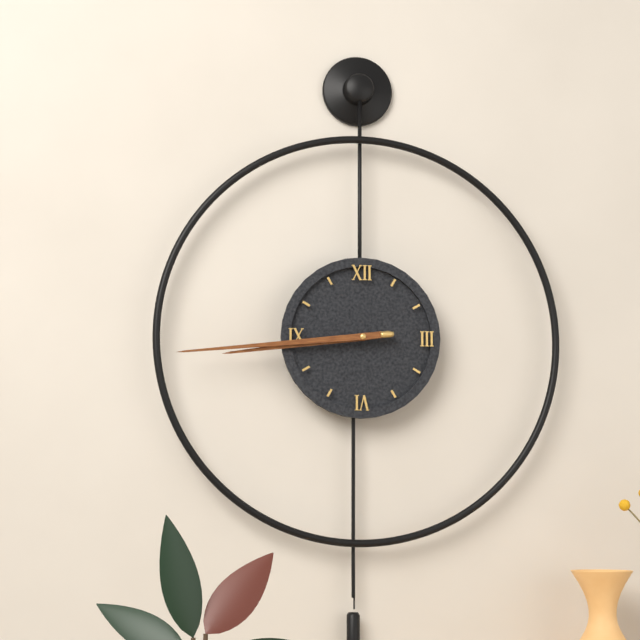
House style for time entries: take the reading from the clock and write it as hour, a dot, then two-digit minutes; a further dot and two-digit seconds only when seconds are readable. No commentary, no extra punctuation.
8.44
